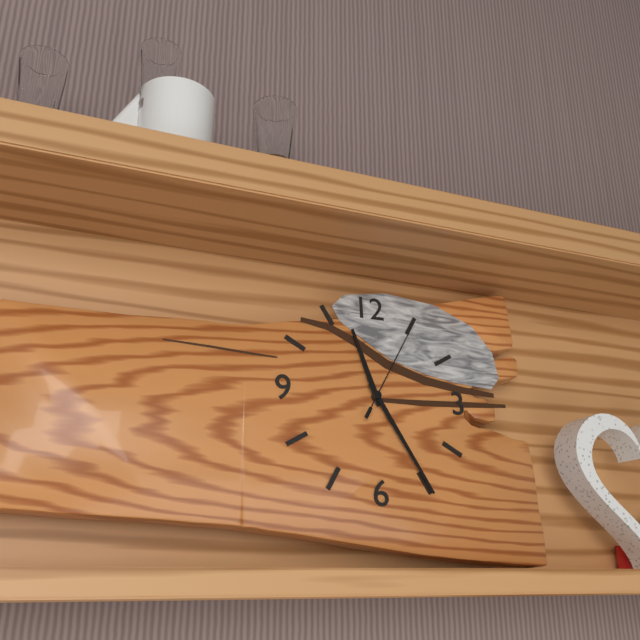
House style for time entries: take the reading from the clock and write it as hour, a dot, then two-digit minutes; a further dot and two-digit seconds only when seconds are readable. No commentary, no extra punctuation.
11.25.05
